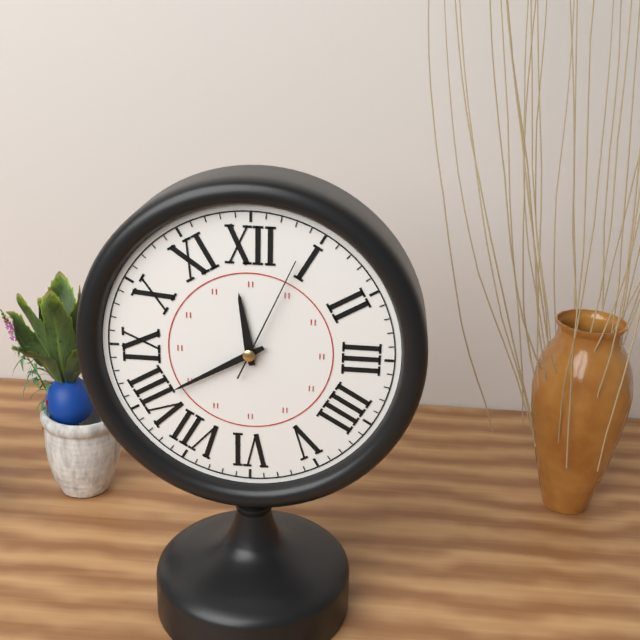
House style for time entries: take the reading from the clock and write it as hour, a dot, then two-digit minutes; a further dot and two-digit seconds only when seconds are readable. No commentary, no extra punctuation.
11.40.04
